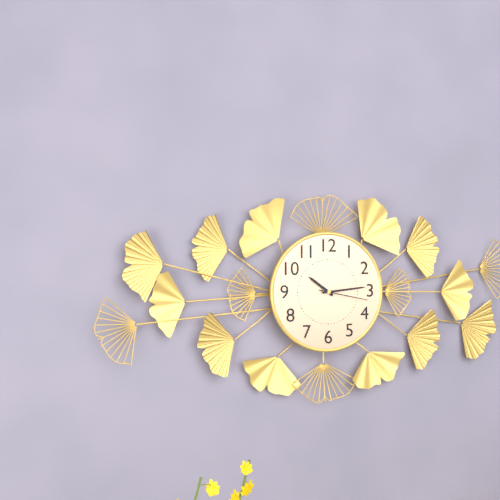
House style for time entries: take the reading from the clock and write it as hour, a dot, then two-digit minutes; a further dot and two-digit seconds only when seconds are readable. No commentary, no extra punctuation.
10.14.17
